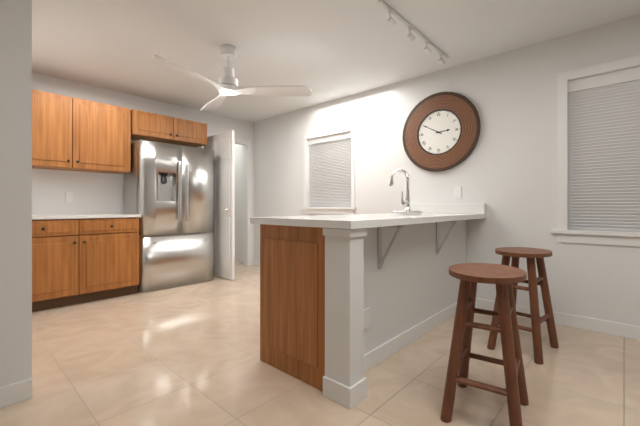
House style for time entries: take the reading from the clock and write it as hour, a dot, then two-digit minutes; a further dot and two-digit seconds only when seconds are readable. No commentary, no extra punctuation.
2.50
